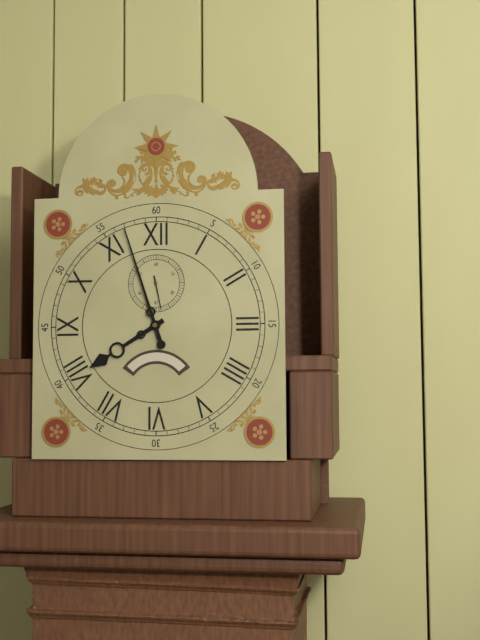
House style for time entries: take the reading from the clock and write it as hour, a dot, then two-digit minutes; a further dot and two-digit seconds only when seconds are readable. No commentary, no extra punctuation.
7.57
